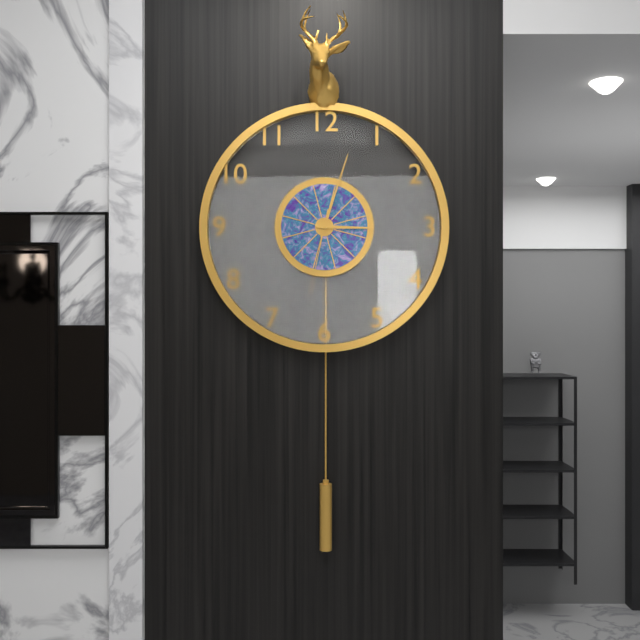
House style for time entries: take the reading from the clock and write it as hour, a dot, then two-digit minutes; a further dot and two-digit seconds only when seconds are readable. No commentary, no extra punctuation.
3.03.32
